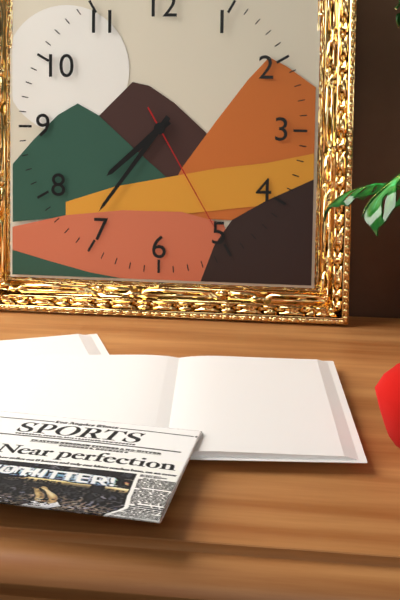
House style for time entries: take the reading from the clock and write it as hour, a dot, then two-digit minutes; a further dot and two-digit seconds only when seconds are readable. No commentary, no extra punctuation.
7.36.25
